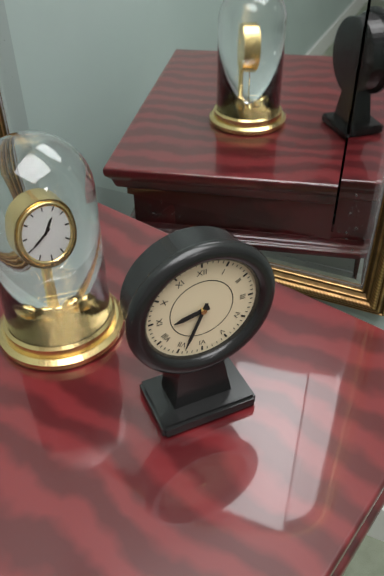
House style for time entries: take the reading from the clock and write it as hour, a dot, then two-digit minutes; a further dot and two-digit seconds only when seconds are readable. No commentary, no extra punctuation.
8.34
